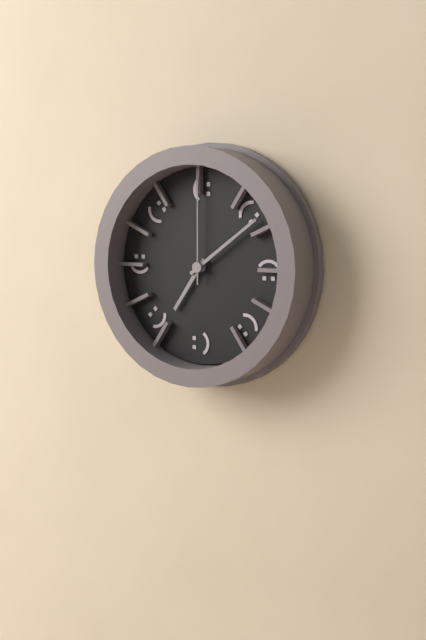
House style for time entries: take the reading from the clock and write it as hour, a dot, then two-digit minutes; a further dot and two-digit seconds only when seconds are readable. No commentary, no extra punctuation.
7.09.00
